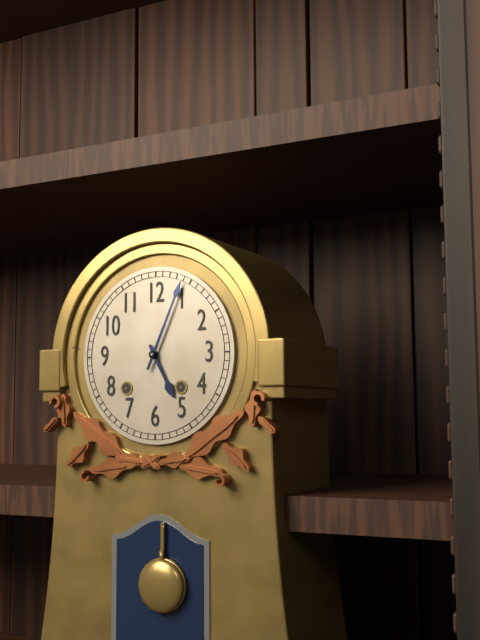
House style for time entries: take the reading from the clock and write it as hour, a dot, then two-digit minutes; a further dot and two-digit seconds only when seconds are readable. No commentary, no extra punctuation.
5.04
